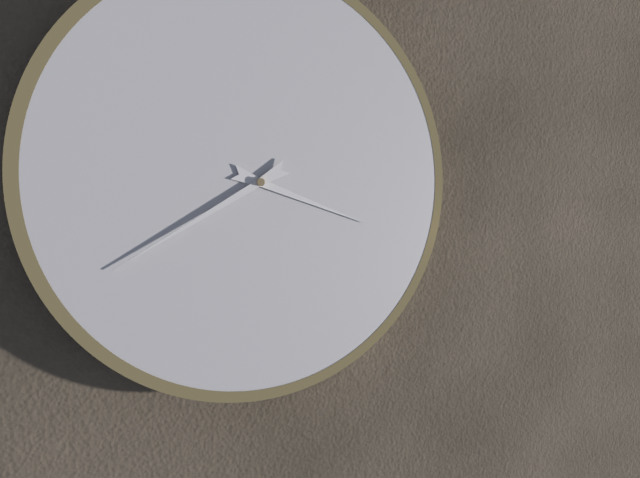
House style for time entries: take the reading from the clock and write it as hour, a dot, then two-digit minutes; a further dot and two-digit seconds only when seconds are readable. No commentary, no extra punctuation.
3.40
